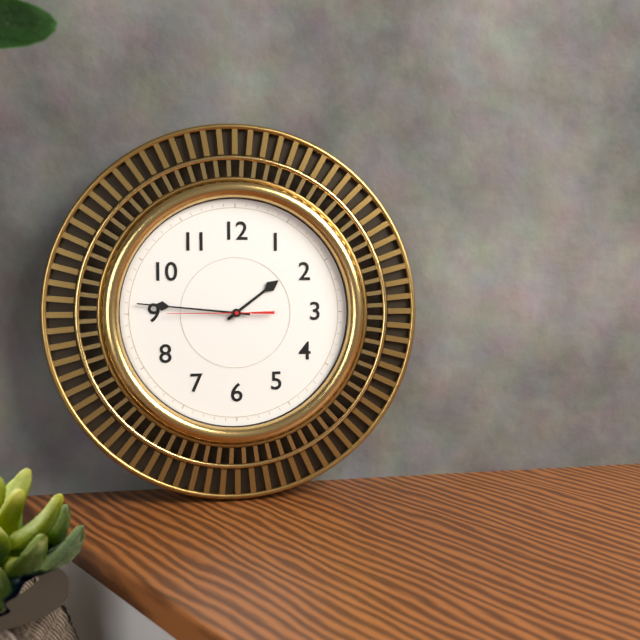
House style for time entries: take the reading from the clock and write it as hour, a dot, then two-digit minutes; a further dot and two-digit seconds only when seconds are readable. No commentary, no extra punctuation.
1.46.45
